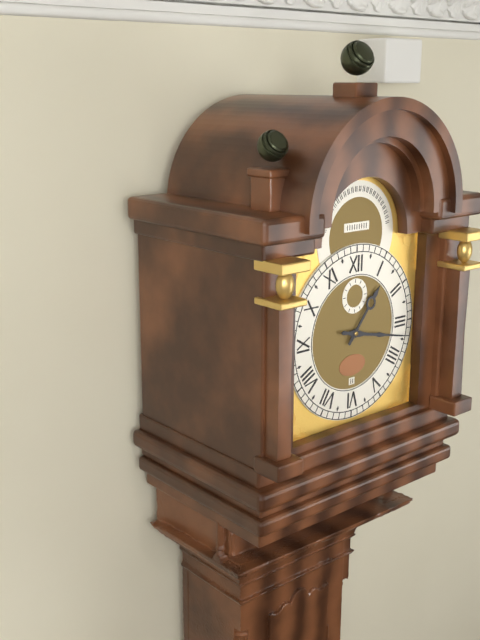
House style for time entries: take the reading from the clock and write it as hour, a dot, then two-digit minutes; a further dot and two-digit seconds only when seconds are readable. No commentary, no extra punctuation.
1.17
